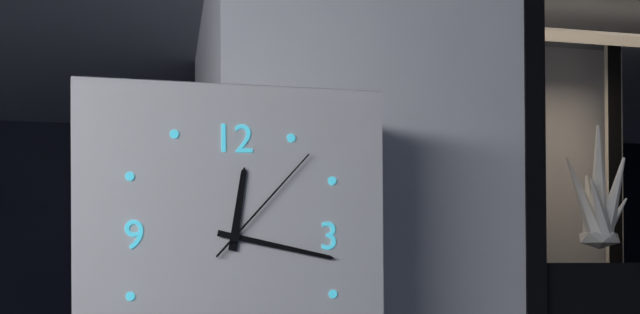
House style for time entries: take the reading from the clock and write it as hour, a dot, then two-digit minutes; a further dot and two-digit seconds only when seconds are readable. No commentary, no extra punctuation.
12.17.07
